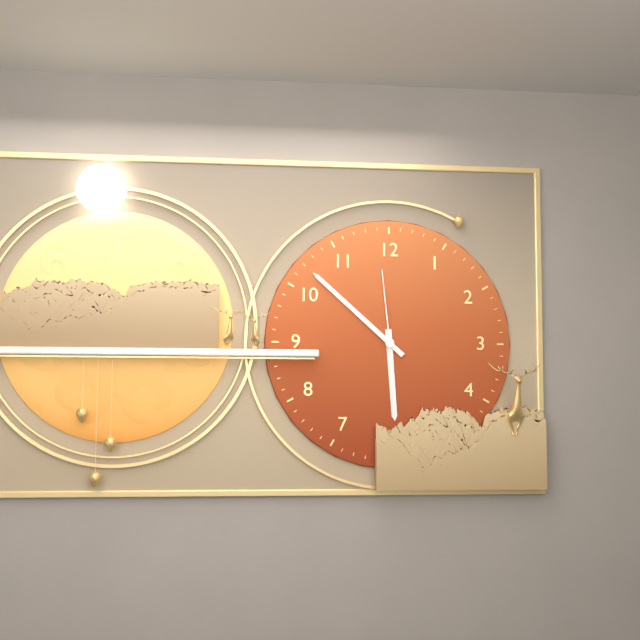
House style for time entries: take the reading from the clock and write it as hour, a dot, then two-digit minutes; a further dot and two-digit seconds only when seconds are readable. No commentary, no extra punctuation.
5.52.59
